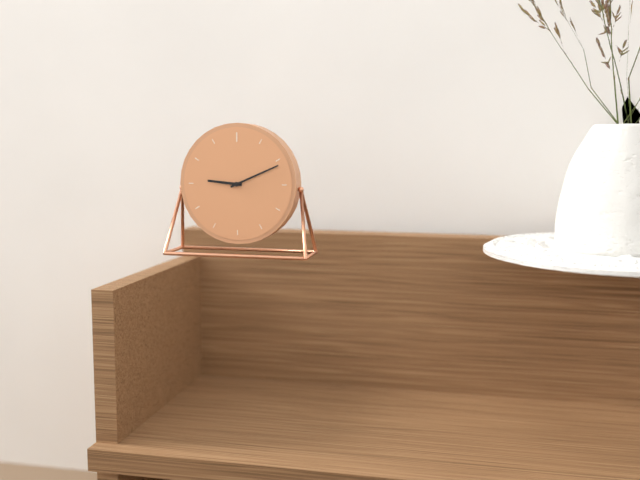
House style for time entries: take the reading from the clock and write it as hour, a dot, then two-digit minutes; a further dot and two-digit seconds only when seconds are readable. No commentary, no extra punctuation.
9.11
